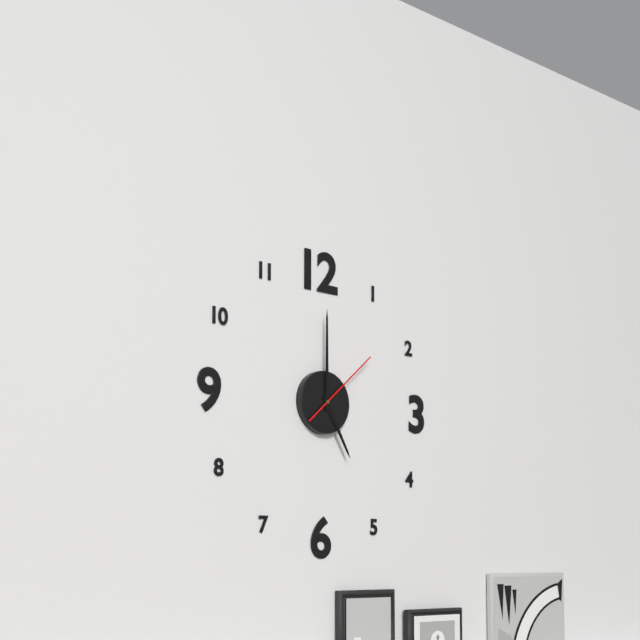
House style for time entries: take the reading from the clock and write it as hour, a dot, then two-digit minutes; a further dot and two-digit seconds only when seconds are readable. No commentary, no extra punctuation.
5.00.08
